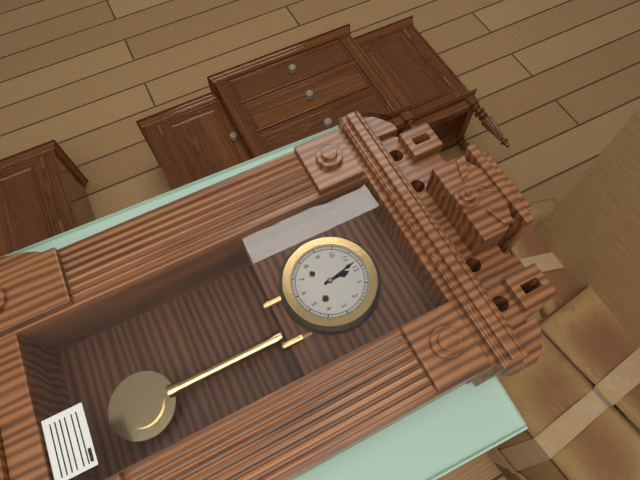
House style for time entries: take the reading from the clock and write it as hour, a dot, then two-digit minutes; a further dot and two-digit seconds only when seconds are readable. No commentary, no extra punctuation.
11.58
